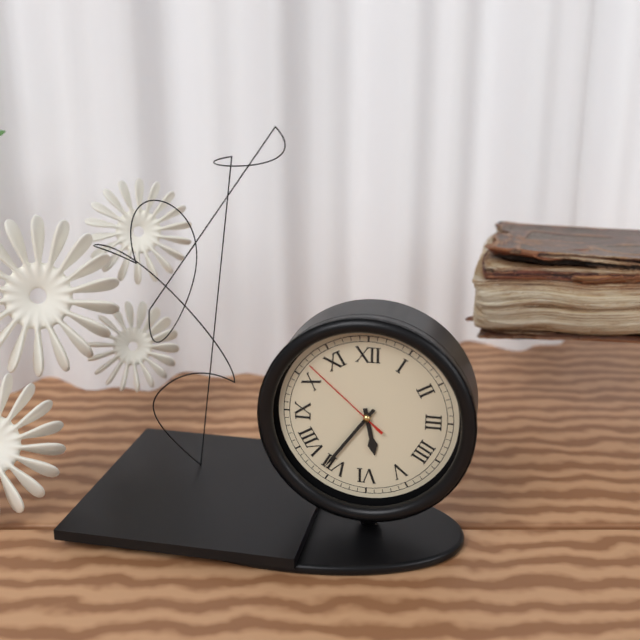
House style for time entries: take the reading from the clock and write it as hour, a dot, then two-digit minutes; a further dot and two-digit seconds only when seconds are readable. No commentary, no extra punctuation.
5.36.52
